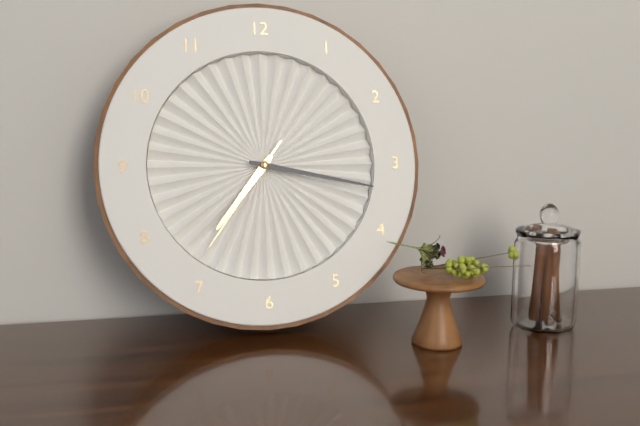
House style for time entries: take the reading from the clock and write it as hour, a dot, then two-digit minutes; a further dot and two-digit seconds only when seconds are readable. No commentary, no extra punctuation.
7.17.36
